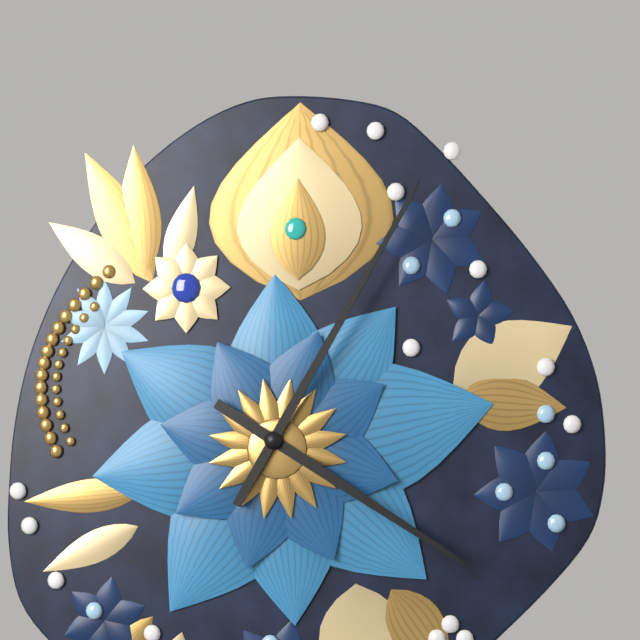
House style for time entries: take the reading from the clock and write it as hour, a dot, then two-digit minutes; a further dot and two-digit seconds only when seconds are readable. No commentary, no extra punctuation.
4.05
